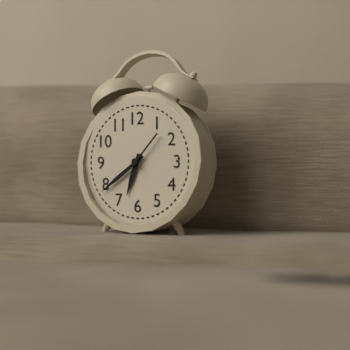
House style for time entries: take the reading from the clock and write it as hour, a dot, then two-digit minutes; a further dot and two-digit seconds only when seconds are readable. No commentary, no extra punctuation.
6.39
